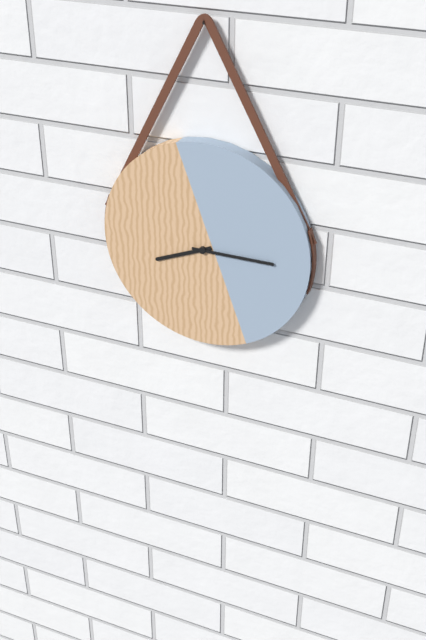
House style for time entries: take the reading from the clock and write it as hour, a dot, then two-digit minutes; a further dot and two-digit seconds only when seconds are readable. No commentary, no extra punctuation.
8.15
